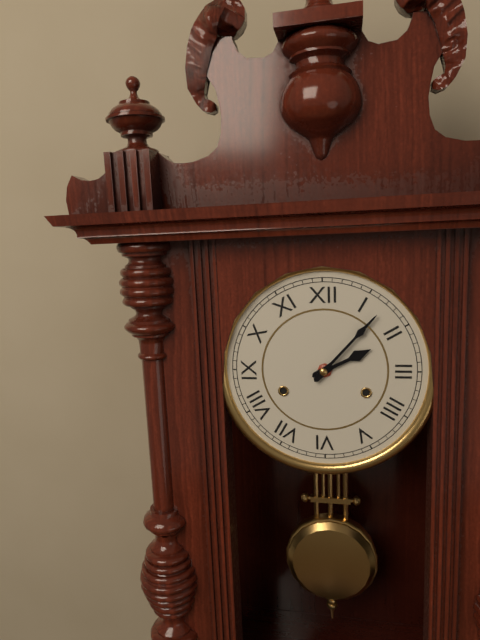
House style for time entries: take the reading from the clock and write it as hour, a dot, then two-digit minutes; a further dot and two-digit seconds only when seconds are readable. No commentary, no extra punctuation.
2.07
